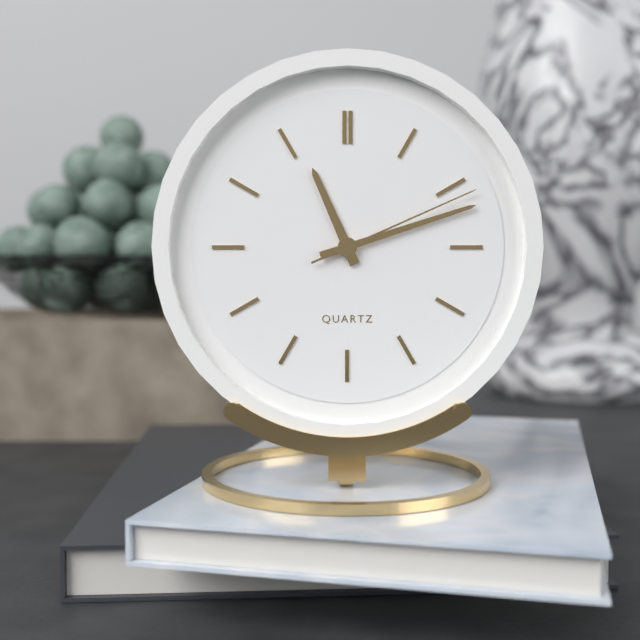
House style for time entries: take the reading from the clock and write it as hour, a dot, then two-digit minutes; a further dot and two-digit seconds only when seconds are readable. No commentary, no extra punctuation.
11.12.11
